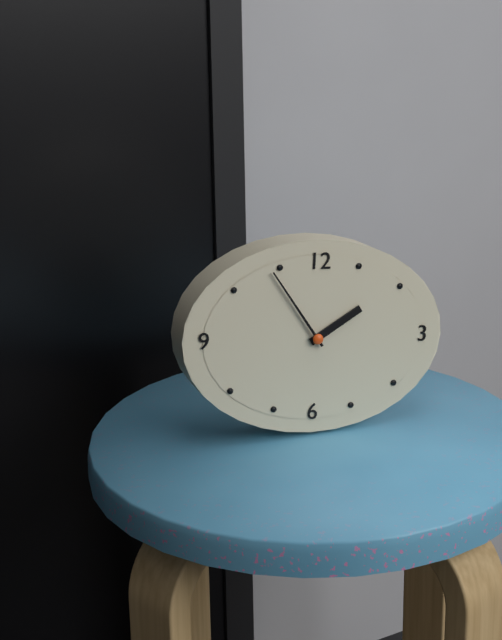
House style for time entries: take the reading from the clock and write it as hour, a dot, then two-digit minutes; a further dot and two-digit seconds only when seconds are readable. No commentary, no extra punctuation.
1.54
